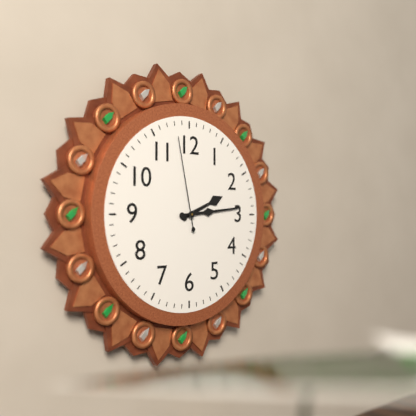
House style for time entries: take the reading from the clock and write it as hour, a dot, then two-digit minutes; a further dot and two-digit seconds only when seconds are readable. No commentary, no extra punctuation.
2.14.58
